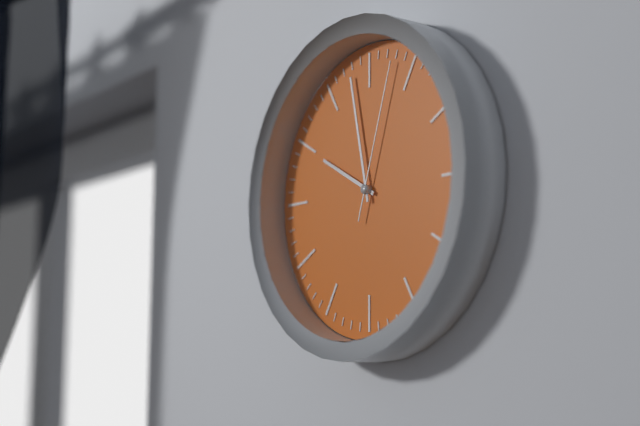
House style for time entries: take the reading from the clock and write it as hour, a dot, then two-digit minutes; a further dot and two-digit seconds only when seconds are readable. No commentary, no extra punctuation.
9.58.03
